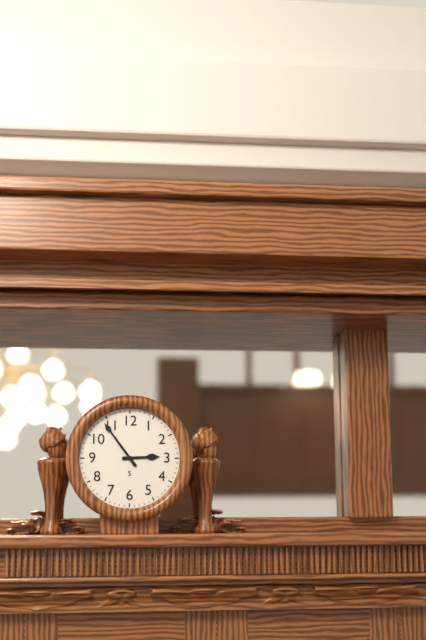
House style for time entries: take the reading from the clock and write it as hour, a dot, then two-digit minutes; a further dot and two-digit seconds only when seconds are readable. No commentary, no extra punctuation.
2.54
